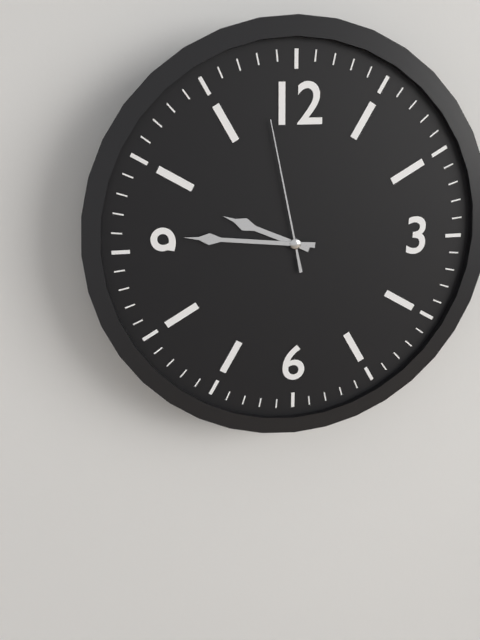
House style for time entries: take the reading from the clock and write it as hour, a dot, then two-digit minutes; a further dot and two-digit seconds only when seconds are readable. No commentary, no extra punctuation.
9.46.58
